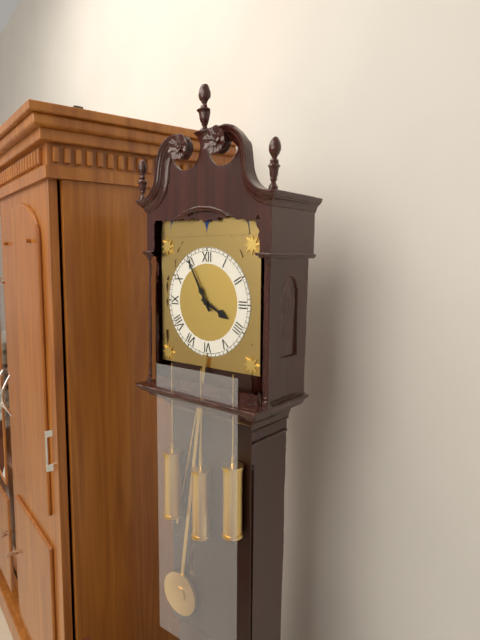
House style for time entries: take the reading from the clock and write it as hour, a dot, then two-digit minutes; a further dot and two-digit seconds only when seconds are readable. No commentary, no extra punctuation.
3.55
